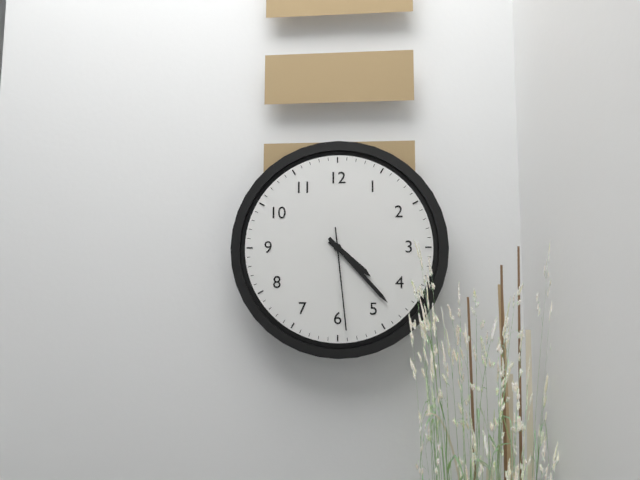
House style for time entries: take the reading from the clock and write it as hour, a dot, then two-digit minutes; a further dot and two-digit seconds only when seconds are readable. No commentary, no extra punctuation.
4.23.29
